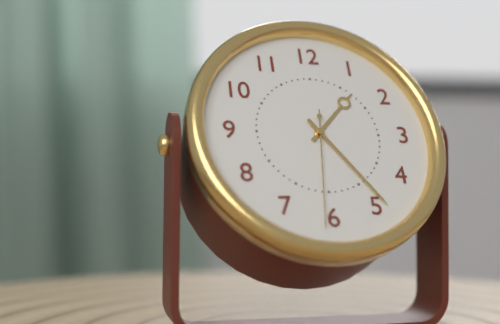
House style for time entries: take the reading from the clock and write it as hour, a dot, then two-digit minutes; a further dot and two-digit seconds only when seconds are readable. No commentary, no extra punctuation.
1.24.31
